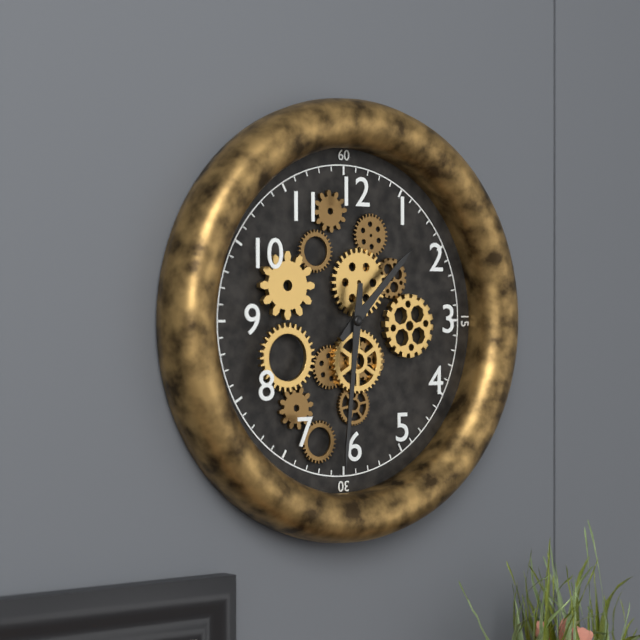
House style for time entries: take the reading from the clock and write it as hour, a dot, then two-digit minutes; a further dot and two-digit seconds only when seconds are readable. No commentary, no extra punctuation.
1.31
